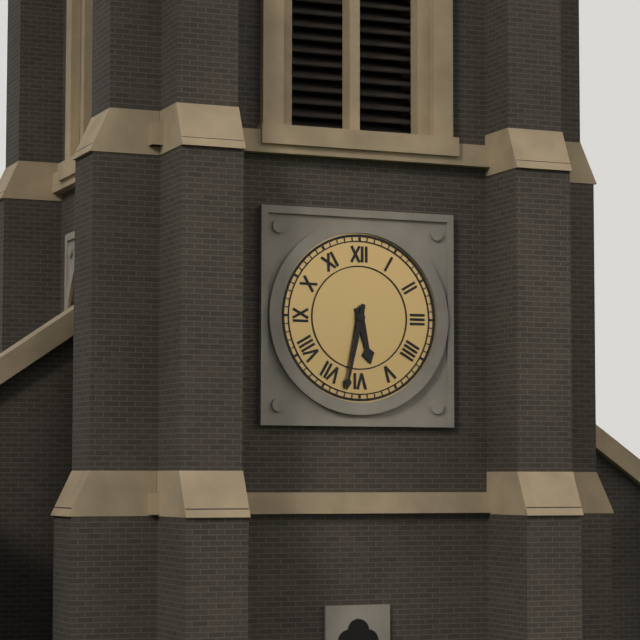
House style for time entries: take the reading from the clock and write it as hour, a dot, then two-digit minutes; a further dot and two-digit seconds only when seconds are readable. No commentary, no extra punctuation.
5.32
